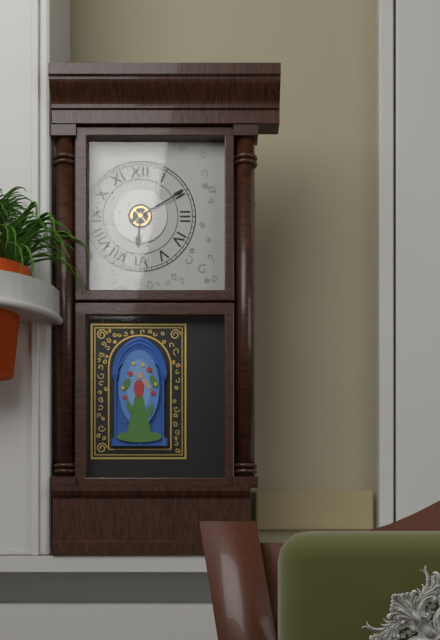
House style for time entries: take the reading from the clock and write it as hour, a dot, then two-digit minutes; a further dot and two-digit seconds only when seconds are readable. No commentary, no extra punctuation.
6.10
